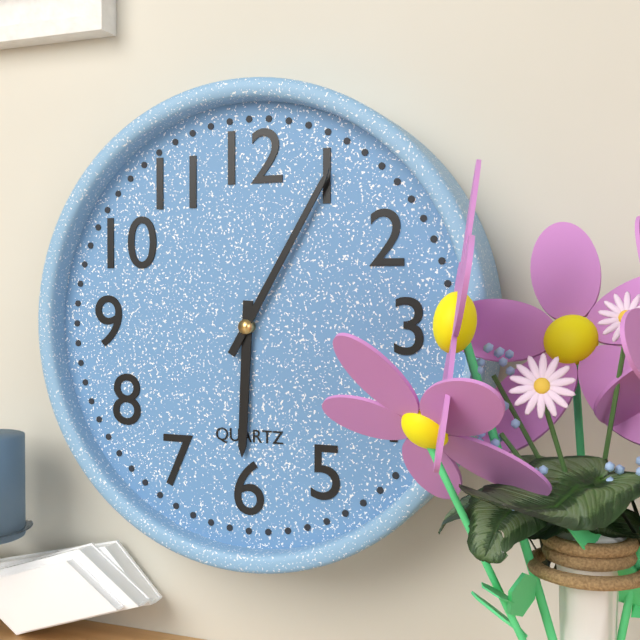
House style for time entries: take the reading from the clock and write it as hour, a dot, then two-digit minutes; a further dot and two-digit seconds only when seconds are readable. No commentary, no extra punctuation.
6.05
